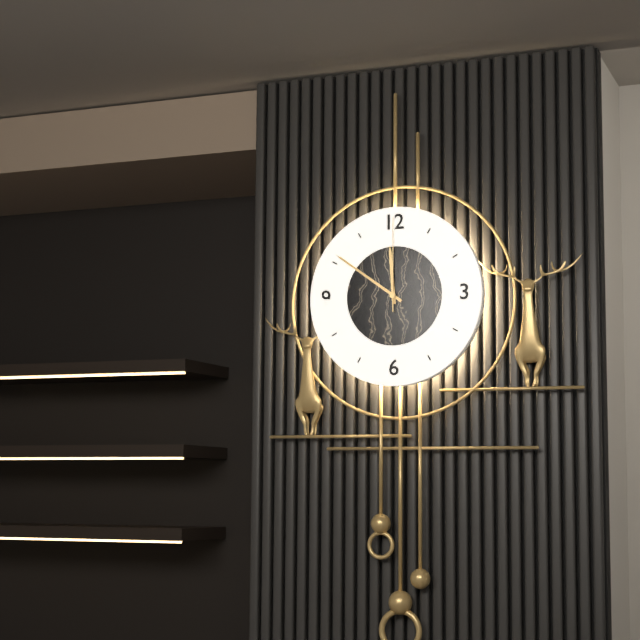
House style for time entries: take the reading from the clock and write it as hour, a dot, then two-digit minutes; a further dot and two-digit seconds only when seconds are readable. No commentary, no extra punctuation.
11.51.00
